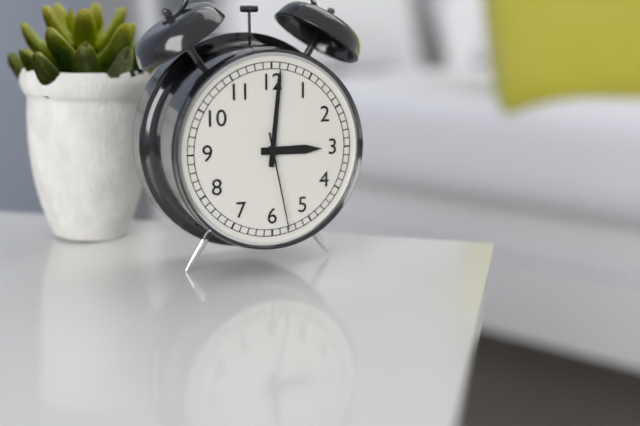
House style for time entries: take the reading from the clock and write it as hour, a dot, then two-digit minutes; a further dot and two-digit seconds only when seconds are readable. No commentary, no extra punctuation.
3.01.28
